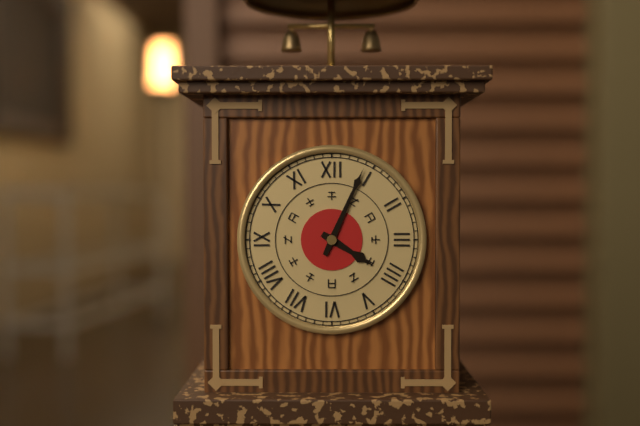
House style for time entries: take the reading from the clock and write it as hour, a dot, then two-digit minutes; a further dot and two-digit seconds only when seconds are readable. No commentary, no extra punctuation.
4.04
